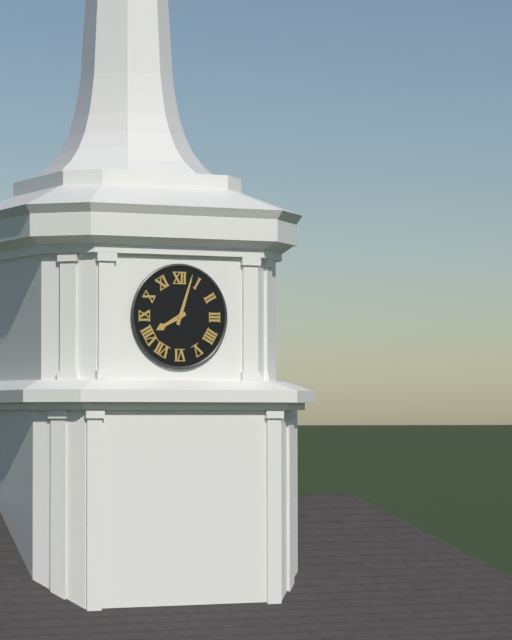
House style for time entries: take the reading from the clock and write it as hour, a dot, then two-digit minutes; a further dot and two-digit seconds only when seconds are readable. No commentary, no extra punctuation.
8.03
